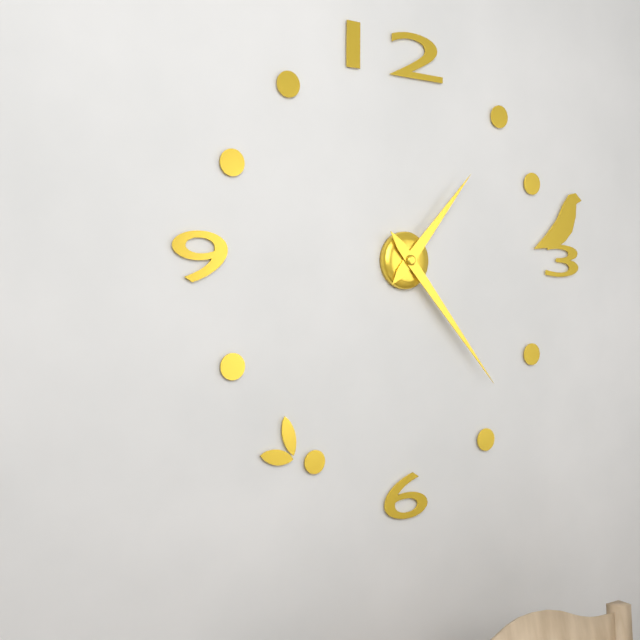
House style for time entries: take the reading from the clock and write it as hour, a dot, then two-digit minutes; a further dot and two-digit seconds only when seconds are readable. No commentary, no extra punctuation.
1.23
